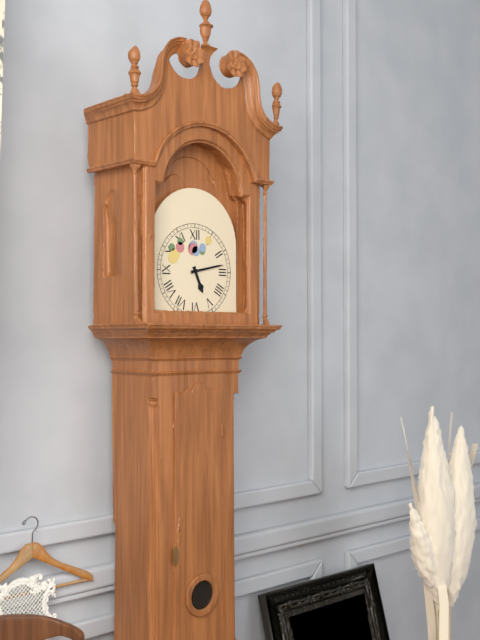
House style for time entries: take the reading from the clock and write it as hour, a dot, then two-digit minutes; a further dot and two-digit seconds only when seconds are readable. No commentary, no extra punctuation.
5.13
